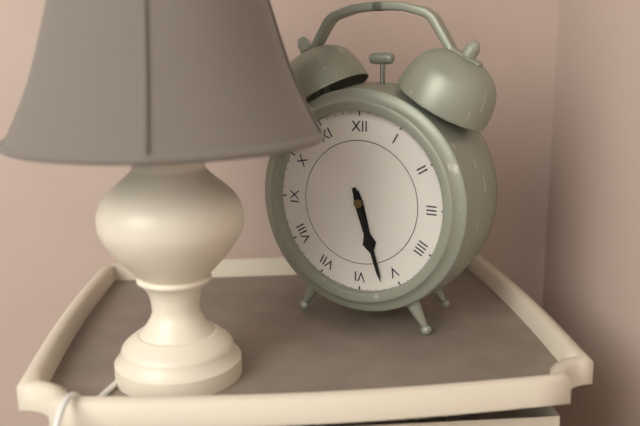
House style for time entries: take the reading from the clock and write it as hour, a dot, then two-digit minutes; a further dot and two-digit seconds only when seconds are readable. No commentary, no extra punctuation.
5.27
